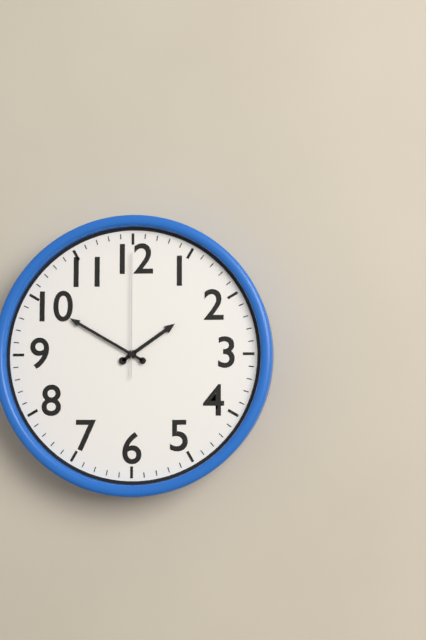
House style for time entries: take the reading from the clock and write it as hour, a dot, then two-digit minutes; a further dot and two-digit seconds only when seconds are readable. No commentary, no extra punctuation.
1.50.00
